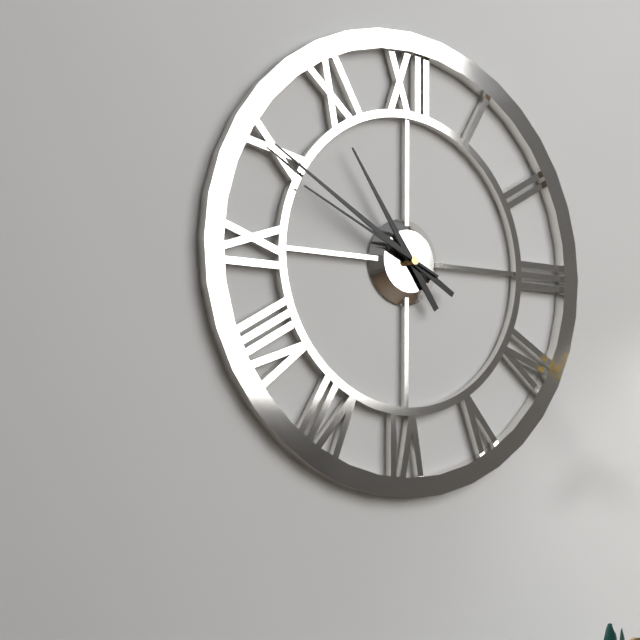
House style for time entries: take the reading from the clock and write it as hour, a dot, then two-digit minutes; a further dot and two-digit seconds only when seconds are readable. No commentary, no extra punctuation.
10.50.49
